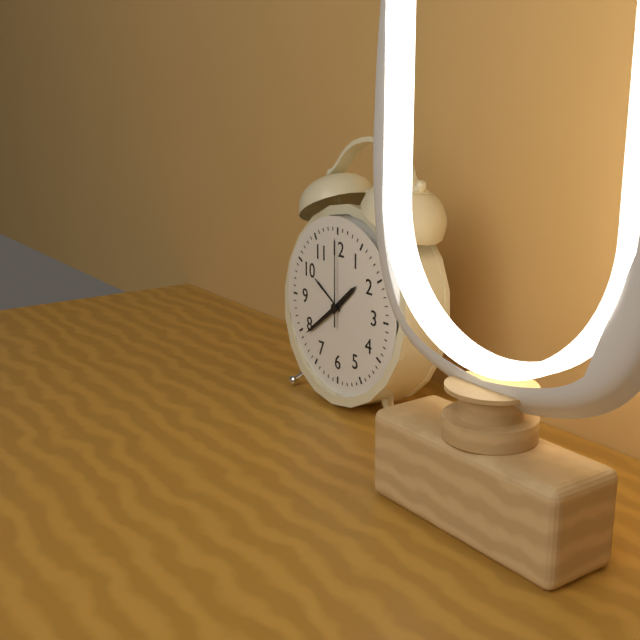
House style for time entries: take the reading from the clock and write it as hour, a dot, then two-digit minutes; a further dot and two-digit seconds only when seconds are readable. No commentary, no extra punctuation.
1.39.00
